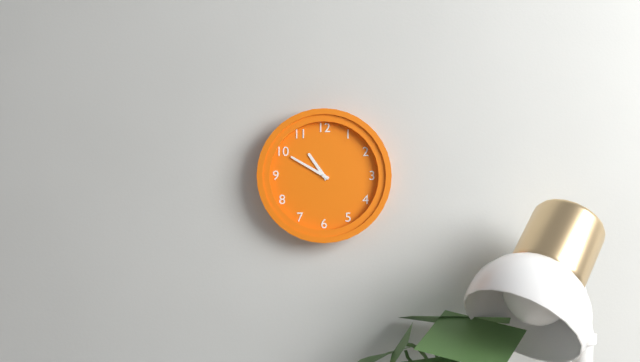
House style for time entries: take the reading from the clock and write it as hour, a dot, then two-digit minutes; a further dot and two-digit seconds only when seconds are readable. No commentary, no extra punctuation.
10.50
